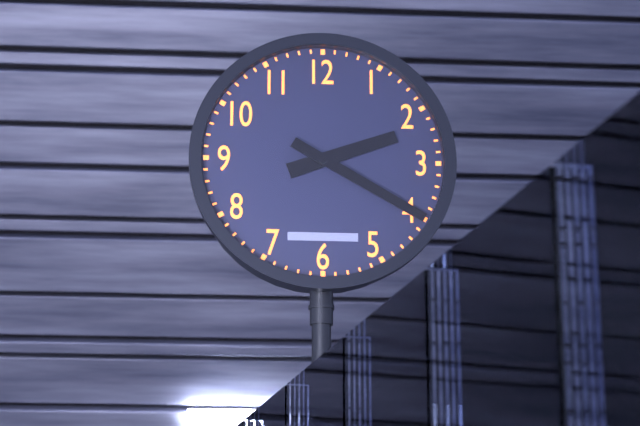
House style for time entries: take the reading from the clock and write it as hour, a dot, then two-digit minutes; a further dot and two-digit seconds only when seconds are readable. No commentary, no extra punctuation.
2.20
